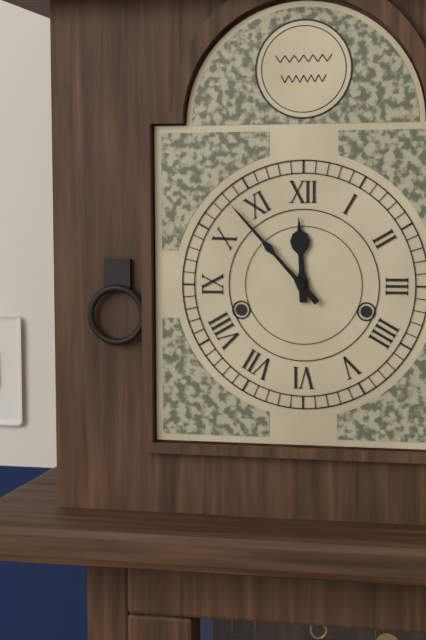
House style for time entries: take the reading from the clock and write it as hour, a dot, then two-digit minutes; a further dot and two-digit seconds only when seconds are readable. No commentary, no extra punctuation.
11.53
